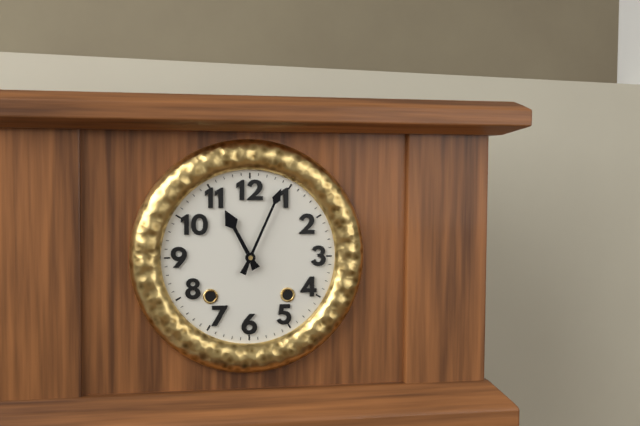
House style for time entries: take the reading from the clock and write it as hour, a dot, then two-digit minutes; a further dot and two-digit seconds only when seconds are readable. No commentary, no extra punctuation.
11.04
